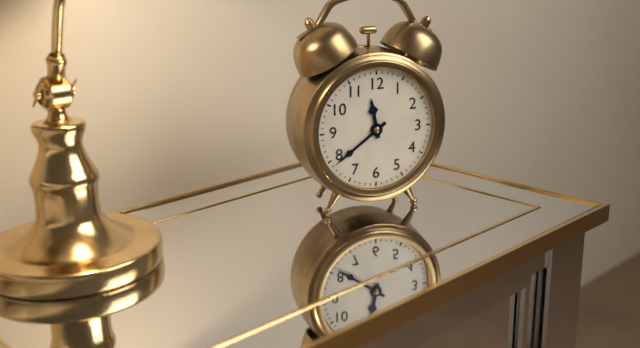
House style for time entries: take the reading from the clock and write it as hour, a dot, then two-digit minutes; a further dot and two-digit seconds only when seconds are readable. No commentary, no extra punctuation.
11.39
